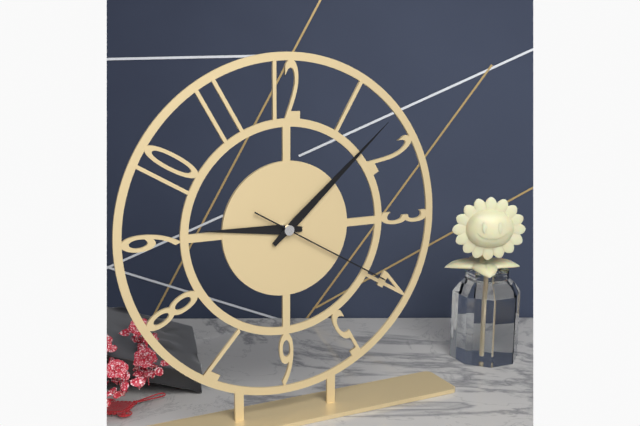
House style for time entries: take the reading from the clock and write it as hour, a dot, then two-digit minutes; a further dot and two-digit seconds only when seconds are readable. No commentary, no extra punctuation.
9.08.20
